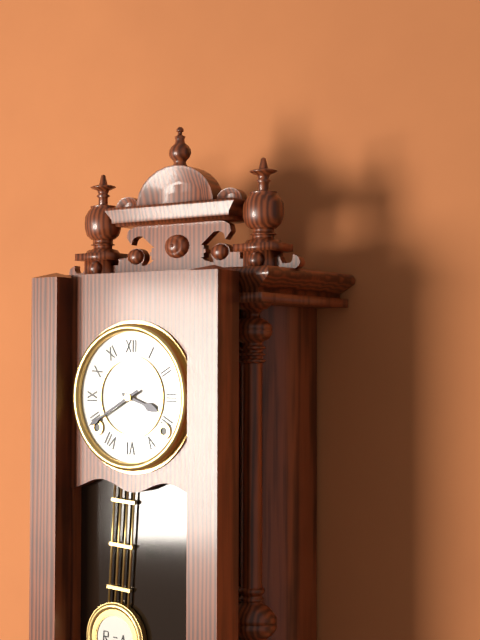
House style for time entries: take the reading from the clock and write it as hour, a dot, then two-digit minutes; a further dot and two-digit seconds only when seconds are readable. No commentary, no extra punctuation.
3.40
